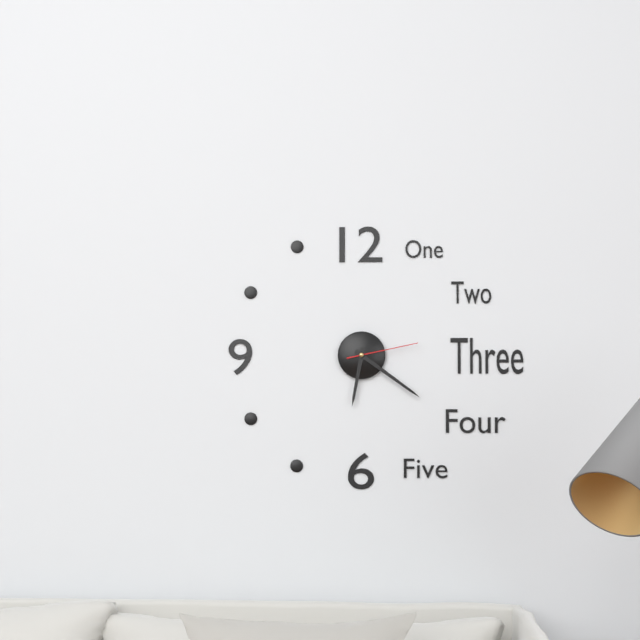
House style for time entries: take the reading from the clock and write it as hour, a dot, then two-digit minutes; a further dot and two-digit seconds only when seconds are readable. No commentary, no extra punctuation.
6.21.13
